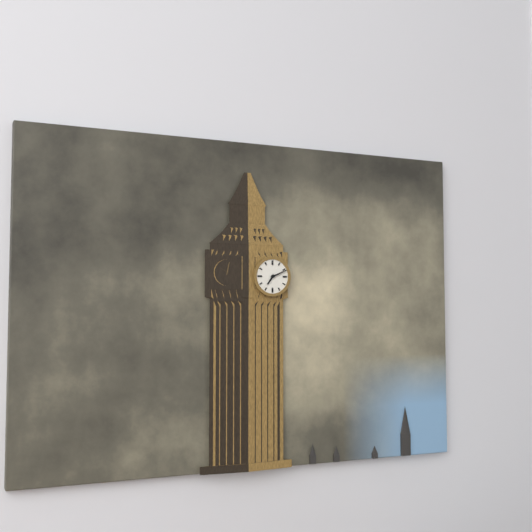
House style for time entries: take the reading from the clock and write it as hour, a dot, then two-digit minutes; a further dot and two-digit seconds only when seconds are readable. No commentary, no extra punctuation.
7.11
